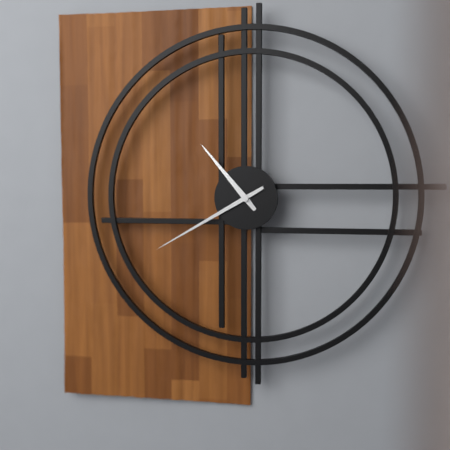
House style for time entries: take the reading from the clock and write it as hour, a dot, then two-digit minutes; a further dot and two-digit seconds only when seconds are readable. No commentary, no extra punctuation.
10.40
